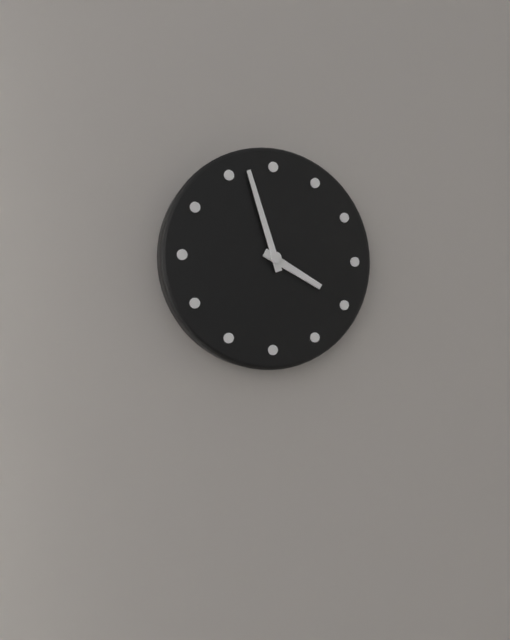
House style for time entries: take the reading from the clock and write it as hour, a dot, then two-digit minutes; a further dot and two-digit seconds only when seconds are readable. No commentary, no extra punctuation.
3.57
